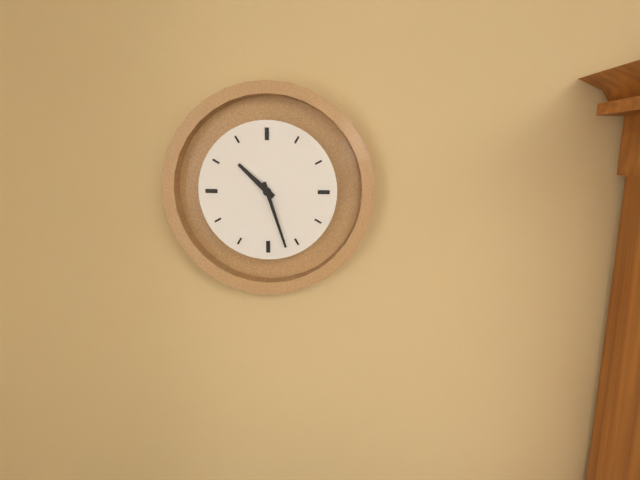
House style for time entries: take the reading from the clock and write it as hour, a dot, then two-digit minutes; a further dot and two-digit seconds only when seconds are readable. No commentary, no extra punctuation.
10.27
